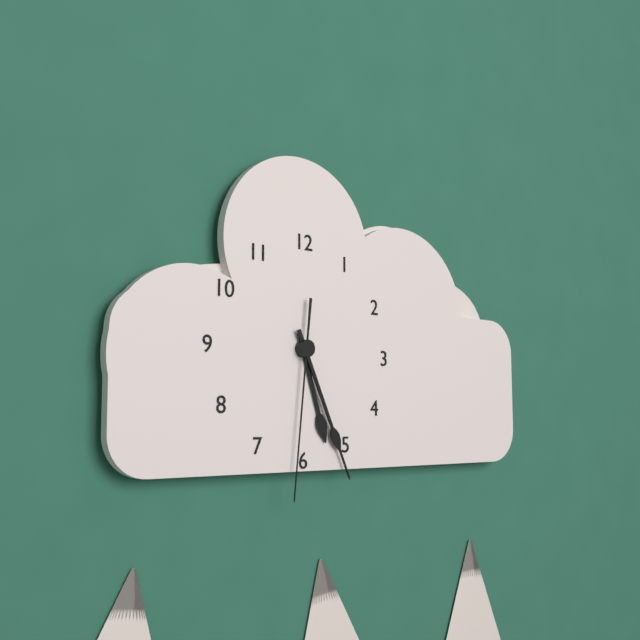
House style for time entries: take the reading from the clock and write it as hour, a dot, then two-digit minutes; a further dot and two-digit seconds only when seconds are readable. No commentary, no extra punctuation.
5.26.31
